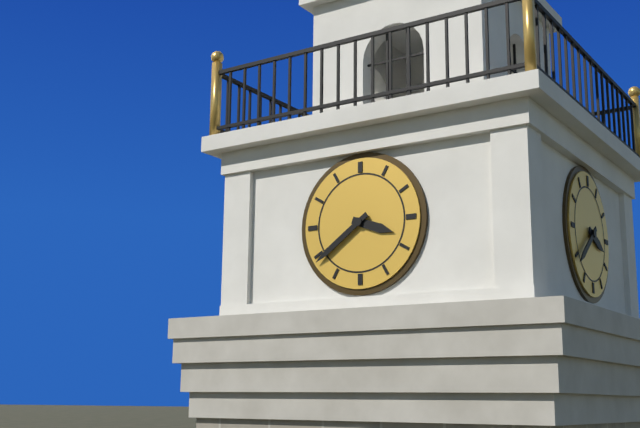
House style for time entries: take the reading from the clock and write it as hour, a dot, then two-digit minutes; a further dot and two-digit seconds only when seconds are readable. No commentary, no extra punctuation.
3.39
